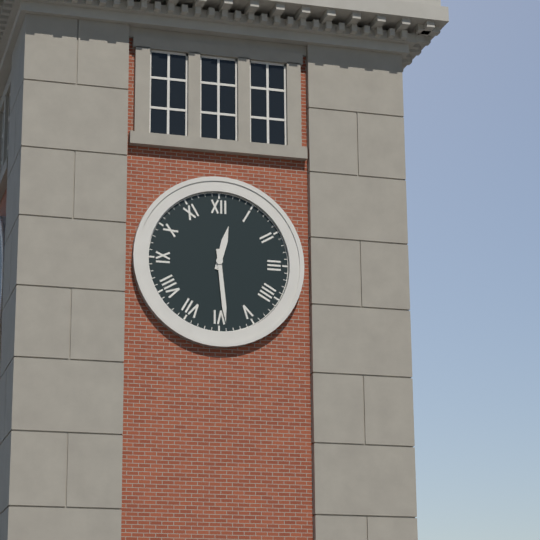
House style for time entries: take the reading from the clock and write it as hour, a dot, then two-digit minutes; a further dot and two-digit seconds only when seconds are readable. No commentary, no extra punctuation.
12.29
